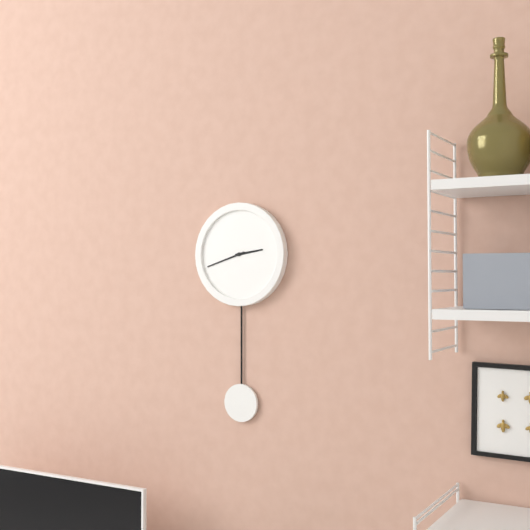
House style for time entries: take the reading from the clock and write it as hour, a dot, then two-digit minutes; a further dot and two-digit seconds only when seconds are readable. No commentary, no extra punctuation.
2.42
